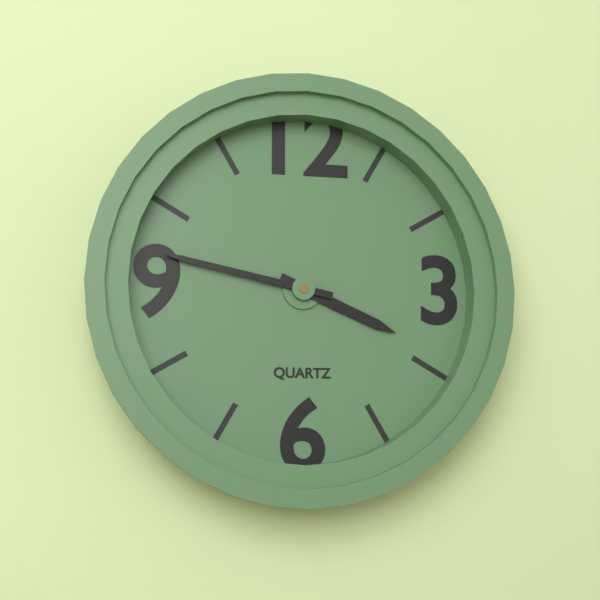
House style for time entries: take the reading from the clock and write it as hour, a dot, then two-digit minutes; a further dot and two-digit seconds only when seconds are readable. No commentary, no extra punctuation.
3.47
